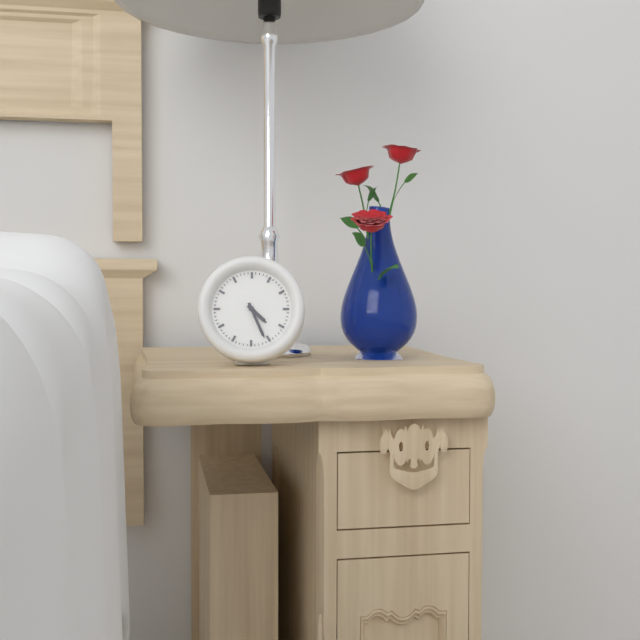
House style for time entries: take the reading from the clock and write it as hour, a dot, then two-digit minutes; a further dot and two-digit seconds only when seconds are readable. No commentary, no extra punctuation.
4.26
